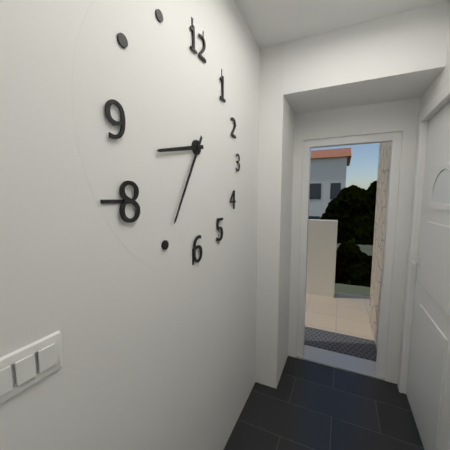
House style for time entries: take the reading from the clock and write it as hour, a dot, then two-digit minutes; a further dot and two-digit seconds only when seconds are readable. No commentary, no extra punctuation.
8.35
